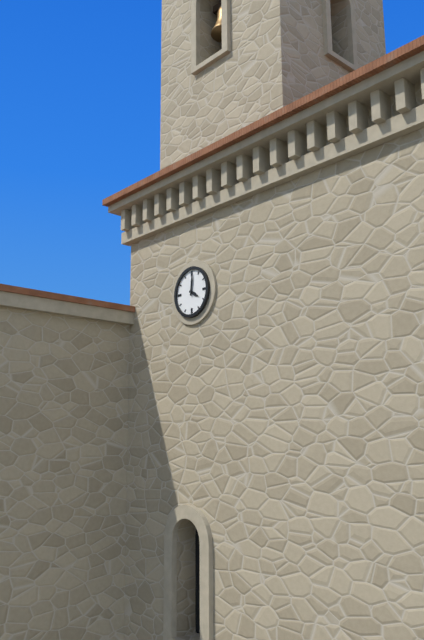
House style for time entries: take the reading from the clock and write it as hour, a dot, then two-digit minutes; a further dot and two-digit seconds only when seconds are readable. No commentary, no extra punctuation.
4.01
